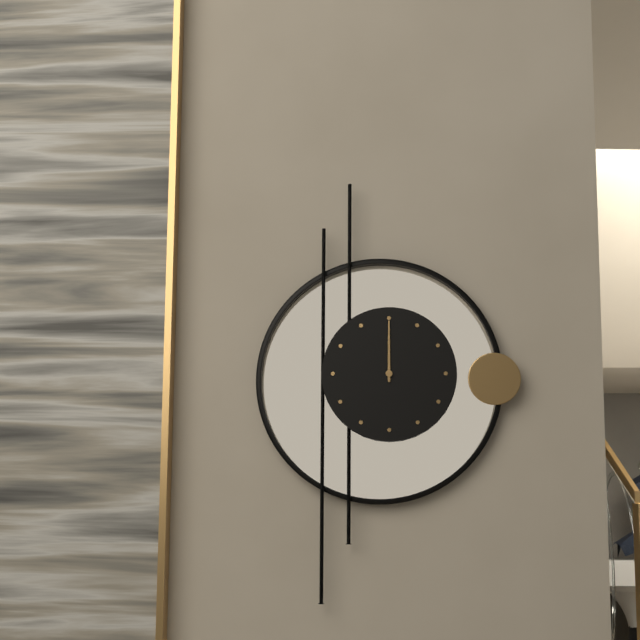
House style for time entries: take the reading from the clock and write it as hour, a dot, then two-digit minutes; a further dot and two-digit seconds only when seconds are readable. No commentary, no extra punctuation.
12.00
